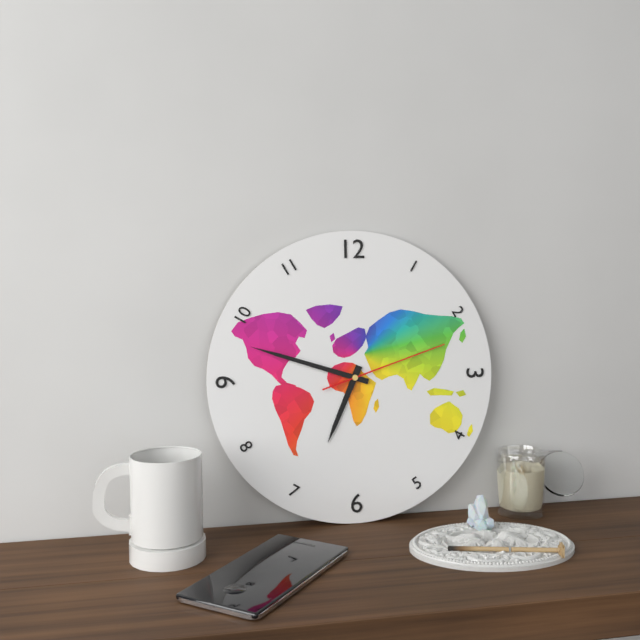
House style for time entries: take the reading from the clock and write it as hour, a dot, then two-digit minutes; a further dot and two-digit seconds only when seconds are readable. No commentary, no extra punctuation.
6.48.12
